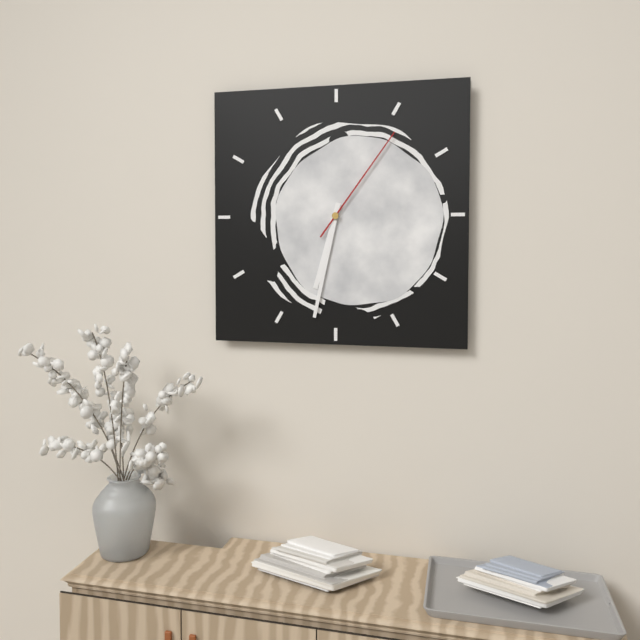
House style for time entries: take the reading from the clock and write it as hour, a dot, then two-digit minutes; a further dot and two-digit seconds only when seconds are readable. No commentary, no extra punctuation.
6.32.06
